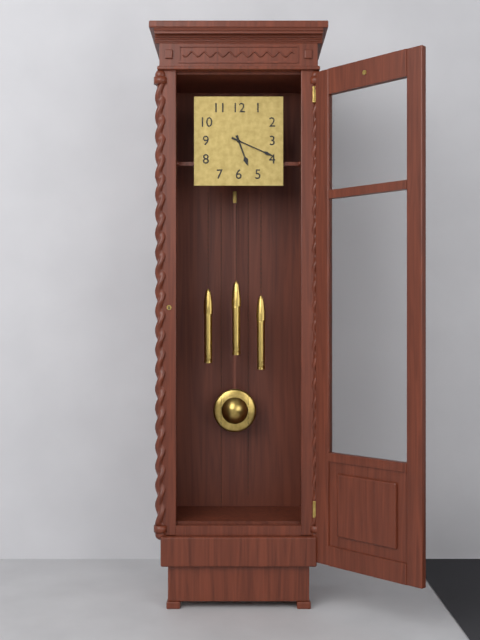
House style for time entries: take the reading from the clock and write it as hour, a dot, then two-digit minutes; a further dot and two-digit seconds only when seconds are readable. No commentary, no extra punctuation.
5.19
